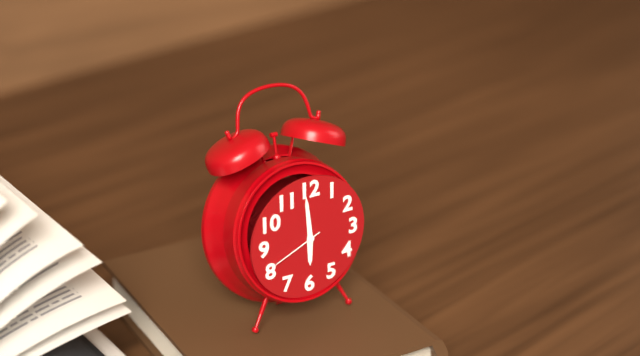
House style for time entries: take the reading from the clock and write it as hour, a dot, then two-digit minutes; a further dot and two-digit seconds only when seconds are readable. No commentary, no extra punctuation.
5.59.41
